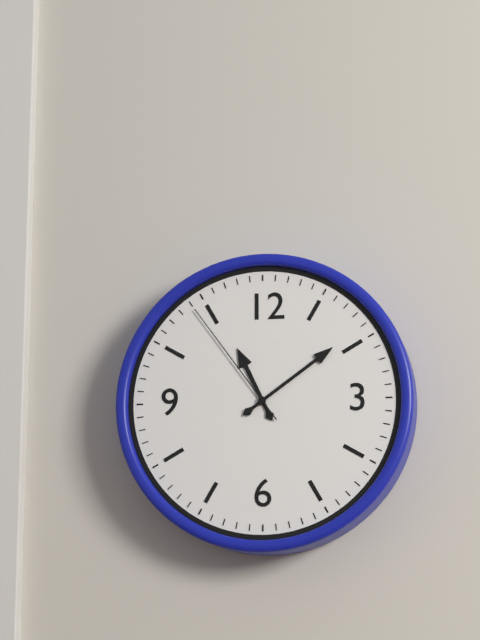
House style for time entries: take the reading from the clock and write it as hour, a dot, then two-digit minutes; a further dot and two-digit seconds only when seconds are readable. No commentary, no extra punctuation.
11.09.54
